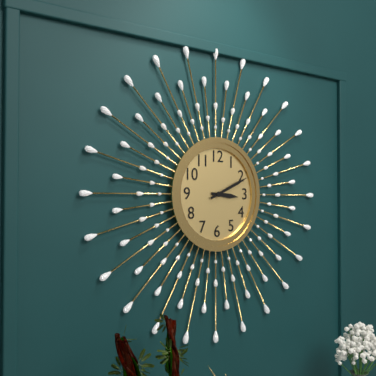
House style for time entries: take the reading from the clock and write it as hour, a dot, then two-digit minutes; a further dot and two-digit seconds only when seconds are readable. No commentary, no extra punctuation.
3.11
